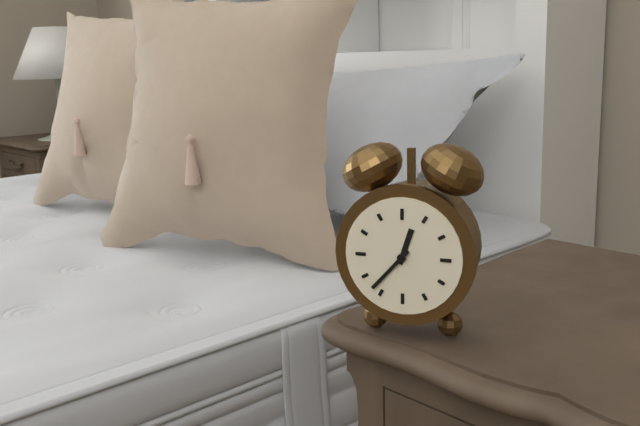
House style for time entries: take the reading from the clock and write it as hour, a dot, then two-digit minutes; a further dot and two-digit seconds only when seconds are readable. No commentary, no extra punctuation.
12.37
